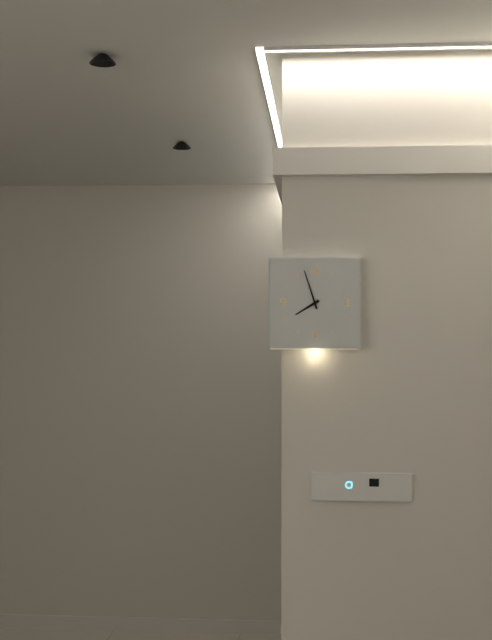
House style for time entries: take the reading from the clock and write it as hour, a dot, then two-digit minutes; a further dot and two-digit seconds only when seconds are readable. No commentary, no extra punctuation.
7.57
